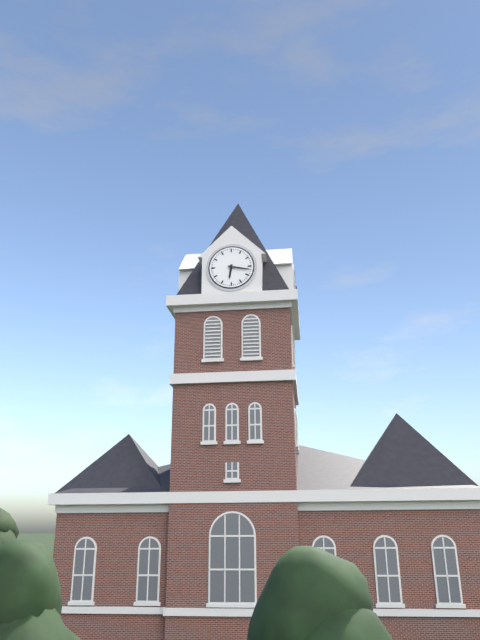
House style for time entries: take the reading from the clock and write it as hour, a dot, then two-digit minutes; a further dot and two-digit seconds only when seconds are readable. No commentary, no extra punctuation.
6.17
